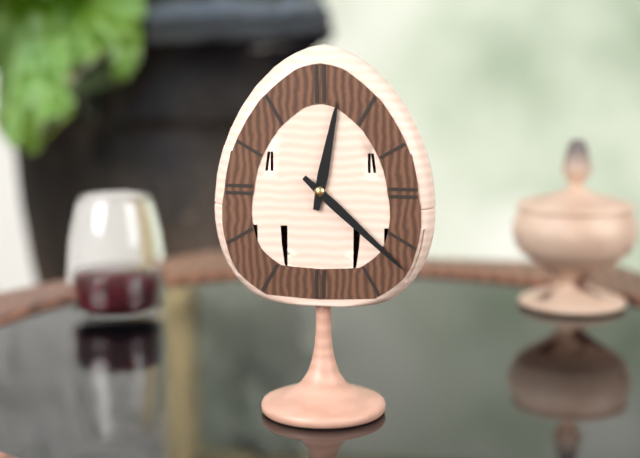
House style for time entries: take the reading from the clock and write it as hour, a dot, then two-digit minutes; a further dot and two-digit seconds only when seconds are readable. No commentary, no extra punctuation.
12.22
